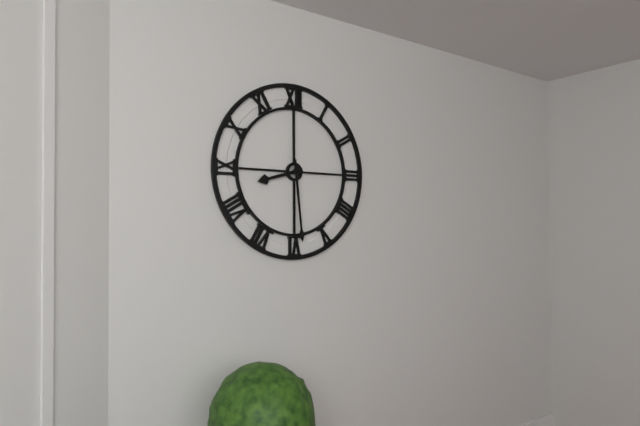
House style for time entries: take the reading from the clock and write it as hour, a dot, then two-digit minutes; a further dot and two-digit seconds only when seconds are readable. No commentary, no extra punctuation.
8.29
